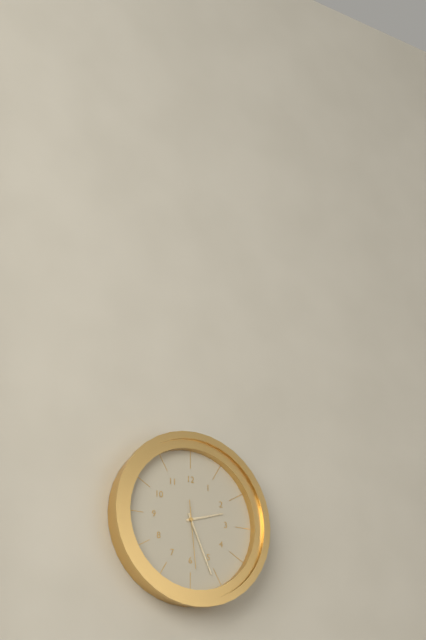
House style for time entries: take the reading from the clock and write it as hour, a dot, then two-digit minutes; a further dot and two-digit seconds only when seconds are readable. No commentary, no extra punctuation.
2.26.29
